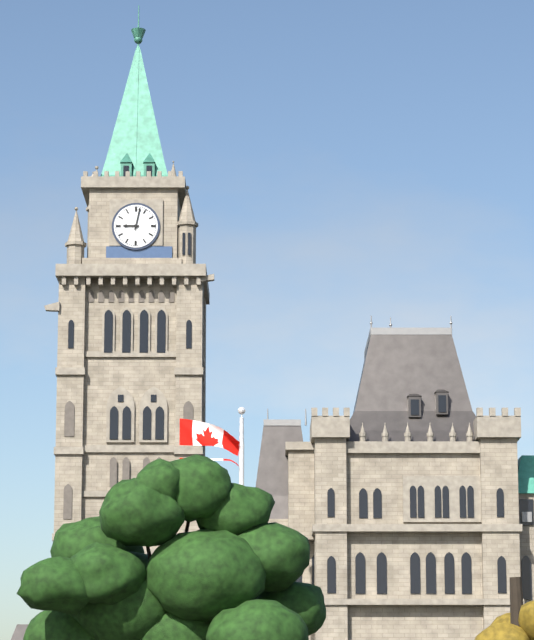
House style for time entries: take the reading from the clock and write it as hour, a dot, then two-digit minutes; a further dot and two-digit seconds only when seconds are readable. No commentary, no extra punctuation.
9.02
